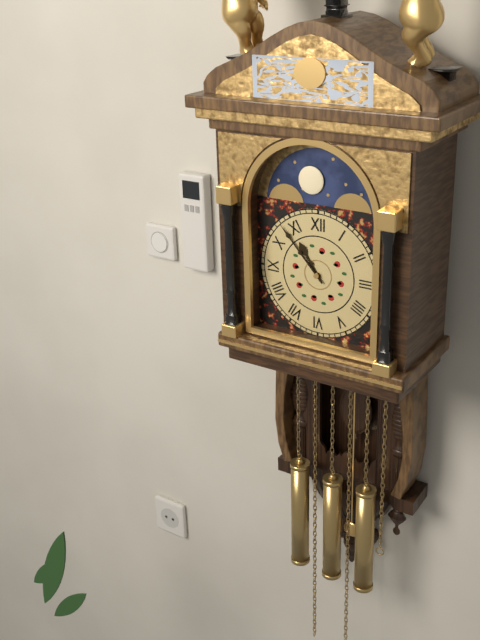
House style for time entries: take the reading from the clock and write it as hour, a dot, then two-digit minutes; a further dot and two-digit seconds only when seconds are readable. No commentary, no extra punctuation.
10.53
